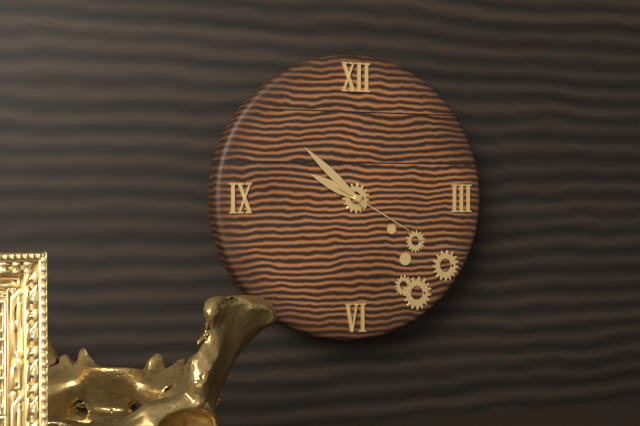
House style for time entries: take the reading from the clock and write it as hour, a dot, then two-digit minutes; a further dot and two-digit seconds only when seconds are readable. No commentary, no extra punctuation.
9.52.20
